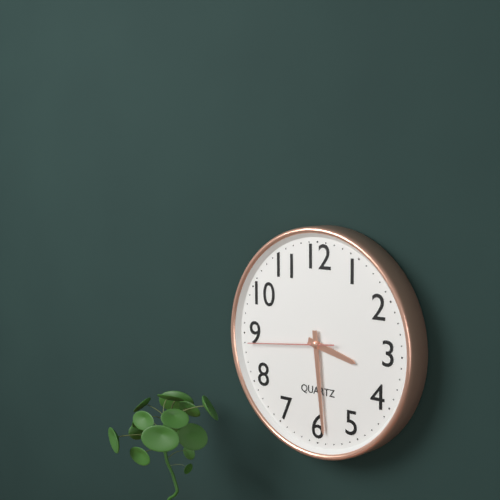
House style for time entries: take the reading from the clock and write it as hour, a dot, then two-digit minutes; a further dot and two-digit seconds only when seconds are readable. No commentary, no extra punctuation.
3.29.44
